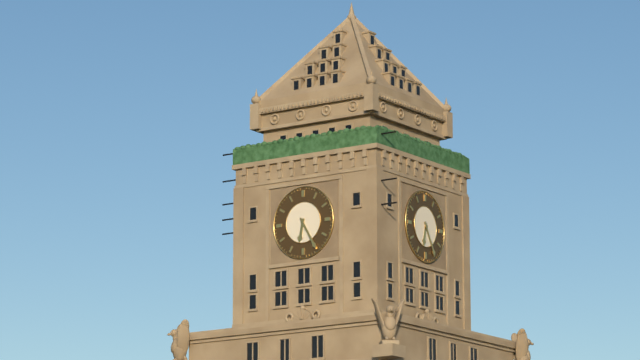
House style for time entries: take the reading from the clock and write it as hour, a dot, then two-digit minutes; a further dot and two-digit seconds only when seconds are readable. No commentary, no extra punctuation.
6.25
